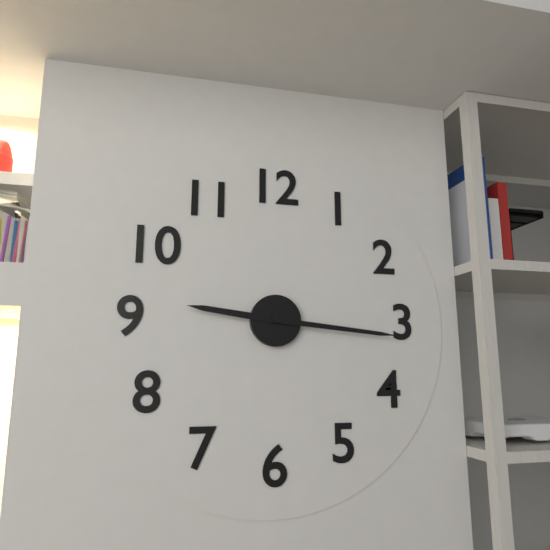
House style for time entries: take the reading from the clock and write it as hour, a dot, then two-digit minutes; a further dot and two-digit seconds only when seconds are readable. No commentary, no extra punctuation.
9.16
